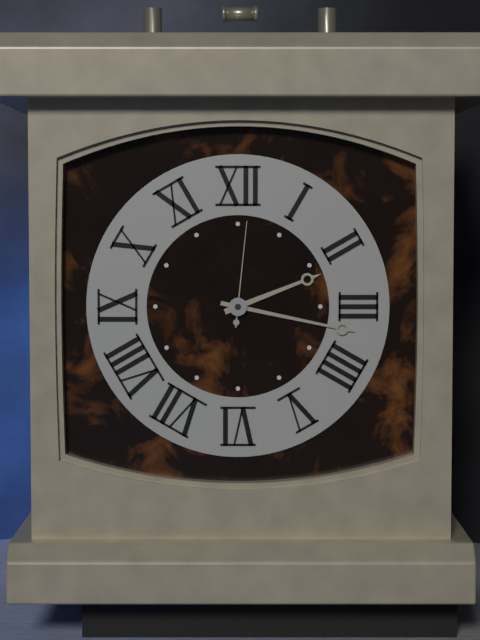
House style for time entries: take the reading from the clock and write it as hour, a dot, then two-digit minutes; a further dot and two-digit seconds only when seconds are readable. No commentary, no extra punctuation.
2.17.01
